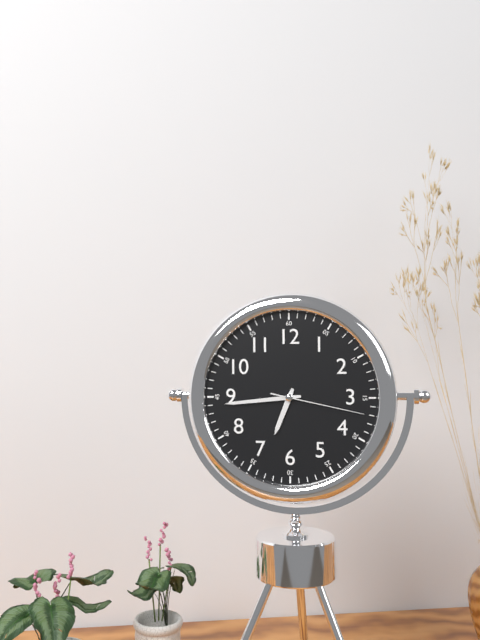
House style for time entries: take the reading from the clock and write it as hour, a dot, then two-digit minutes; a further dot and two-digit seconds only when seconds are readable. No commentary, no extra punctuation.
6.44.17
